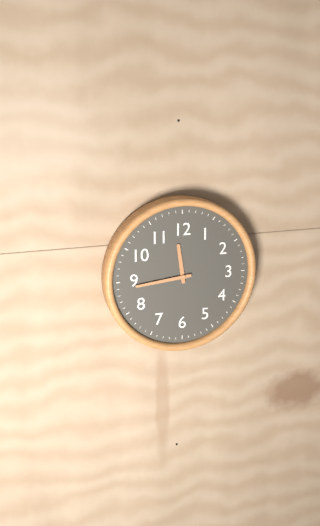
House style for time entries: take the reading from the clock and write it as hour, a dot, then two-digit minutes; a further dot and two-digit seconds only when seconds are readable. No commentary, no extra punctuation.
11.44
